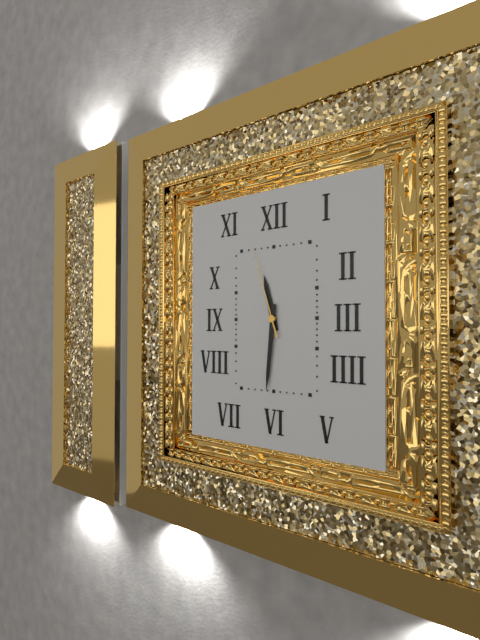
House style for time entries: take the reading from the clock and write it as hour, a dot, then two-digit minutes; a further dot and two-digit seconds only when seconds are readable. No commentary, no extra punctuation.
11.31.57
